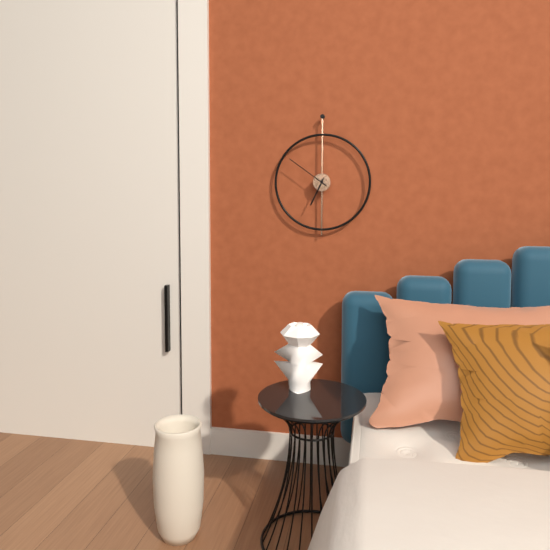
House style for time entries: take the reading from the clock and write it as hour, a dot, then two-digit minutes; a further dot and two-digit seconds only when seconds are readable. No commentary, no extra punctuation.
6.51
